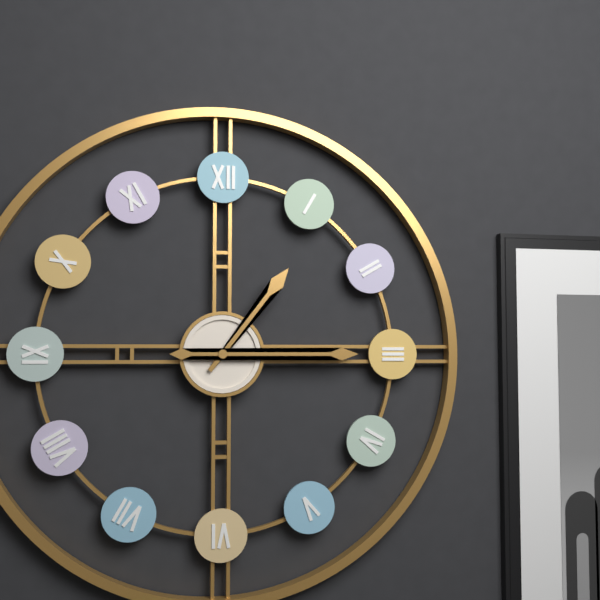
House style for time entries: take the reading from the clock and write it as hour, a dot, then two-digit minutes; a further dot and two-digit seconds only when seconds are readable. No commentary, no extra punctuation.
1.15
